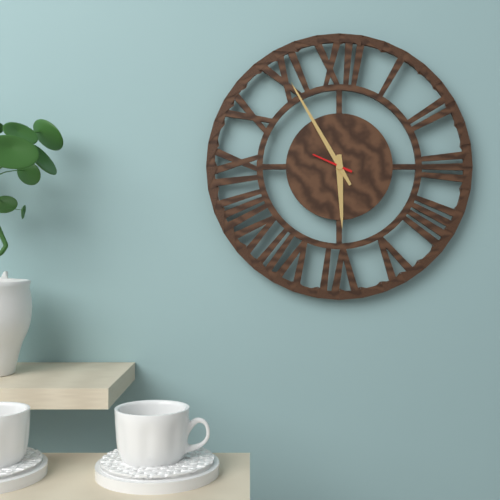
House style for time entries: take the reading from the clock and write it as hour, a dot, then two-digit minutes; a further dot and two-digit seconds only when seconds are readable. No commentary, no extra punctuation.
5.55
